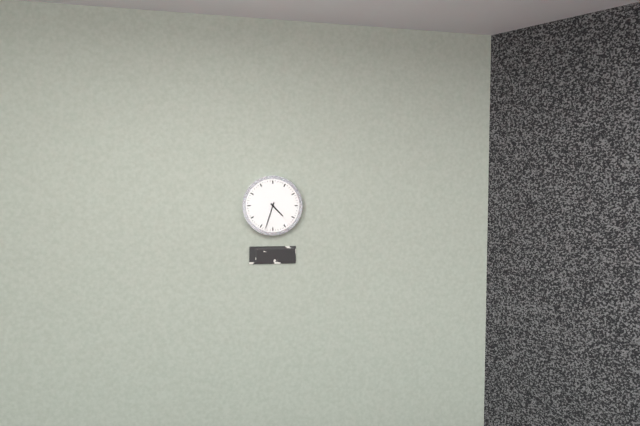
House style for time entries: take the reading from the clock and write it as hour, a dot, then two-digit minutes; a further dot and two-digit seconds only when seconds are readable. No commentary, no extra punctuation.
4.33
